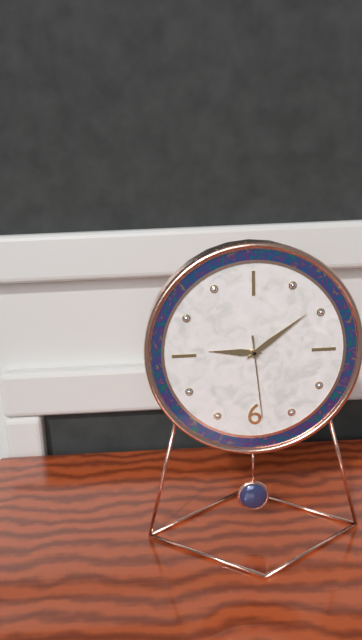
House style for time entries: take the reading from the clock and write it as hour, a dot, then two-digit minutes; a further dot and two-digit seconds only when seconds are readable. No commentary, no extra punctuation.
9.09.29
